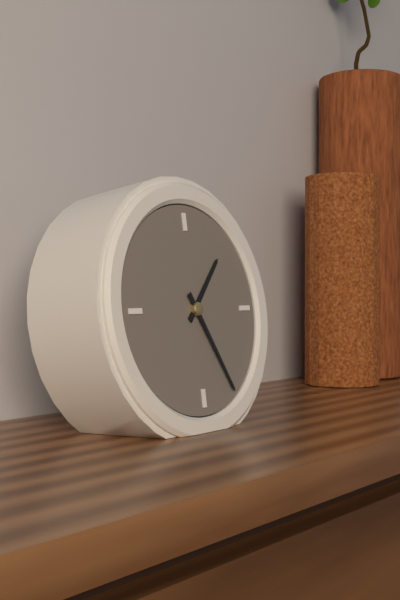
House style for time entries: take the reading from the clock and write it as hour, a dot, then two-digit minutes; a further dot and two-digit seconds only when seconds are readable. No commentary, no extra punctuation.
1.25
